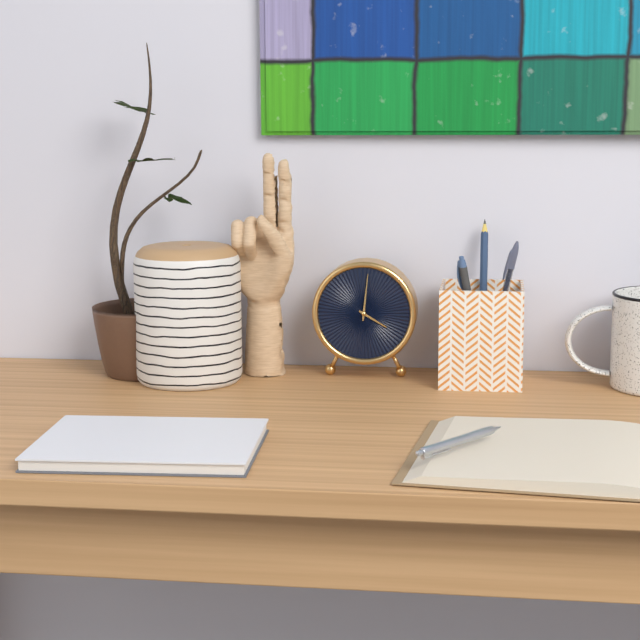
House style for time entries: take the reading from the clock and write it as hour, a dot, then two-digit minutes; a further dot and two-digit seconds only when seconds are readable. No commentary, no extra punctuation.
4.01
